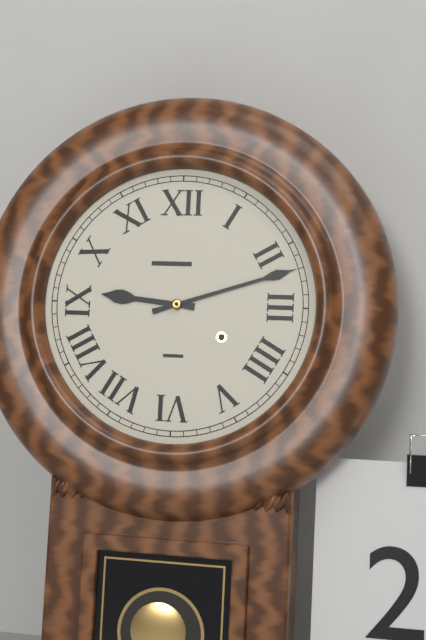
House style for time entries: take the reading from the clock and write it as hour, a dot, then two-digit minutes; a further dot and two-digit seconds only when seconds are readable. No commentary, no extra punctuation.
9.12
